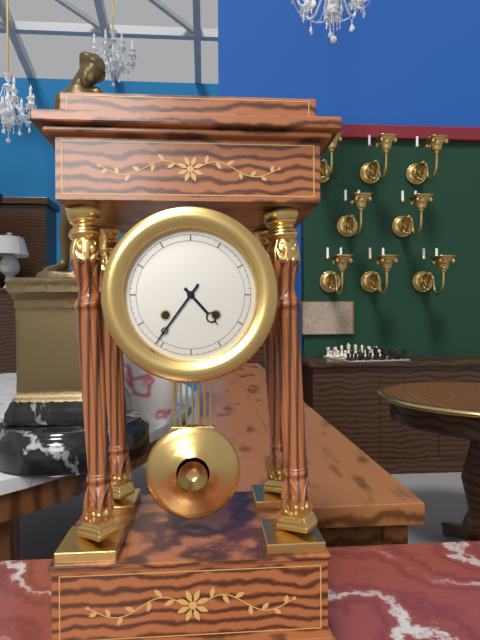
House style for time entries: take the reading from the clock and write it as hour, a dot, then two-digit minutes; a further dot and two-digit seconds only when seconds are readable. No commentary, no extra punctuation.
4.36
